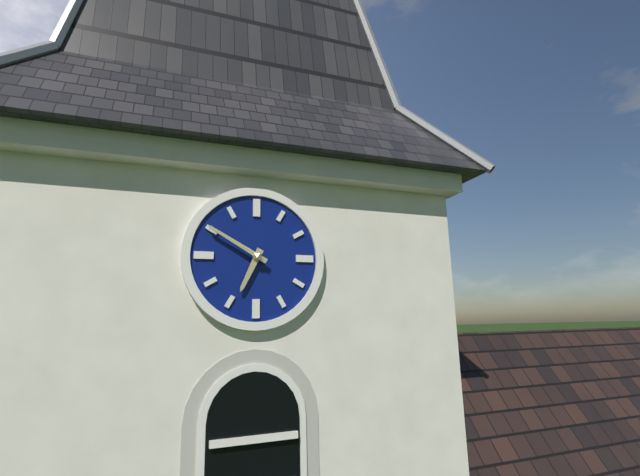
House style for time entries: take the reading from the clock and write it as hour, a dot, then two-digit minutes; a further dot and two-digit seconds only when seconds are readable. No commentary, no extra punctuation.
6.50
